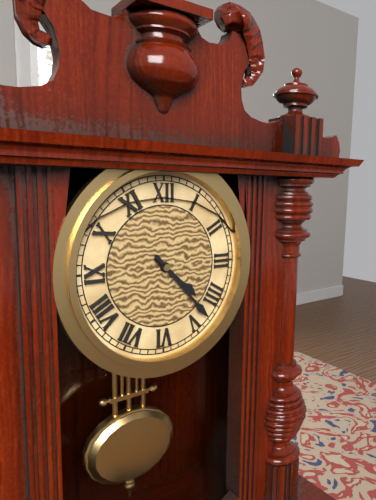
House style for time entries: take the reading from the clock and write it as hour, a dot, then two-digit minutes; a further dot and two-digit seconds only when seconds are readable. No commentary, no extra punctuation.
4.23
